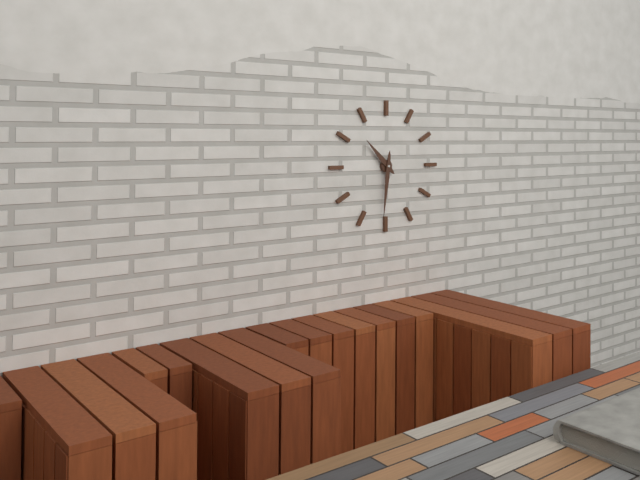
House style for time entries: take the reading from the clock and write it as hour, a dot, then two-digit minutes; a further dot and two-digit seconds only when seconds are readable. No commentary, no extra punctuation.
10.31
